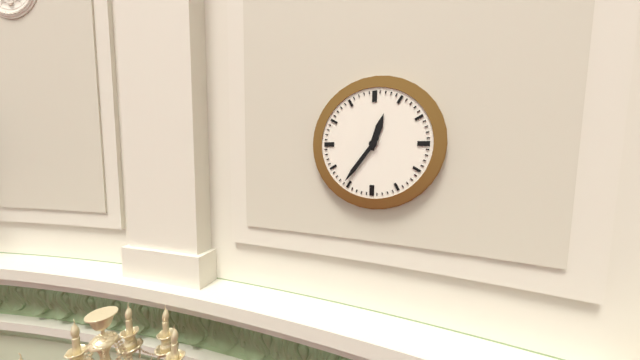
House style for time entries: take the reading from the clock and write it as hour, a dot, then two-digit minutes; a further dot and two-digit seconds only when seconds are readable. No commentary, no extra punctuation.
12.36
